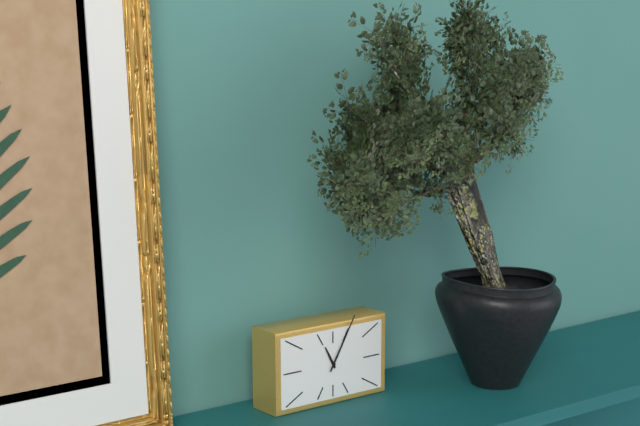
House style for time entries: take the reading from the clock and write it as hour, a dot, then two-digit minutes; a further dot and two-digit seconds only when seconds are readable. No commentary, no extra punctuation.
11.05
